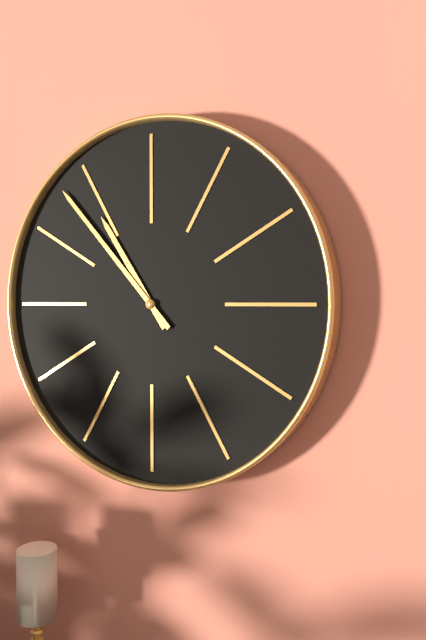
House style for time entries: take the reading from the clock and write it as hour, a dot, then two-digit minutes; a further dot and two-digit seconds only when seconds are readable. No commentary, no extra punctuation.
10.53
